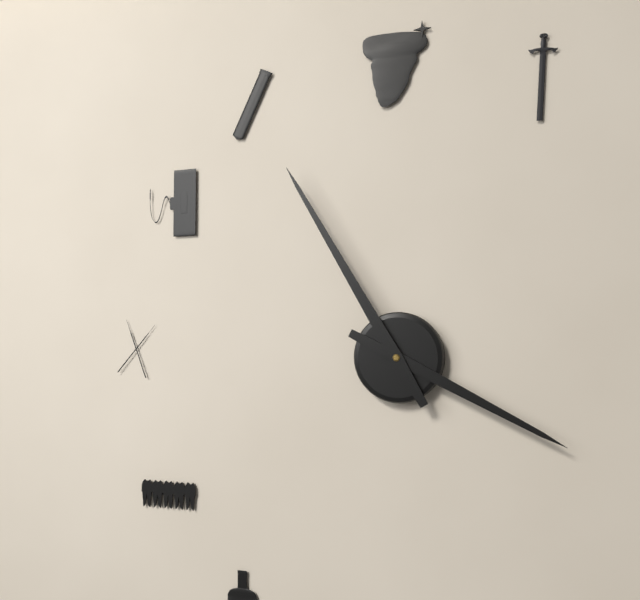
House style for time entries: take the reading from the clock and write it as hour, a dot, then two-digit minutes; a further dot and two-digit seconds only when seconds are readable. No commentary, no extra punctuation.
3.55
